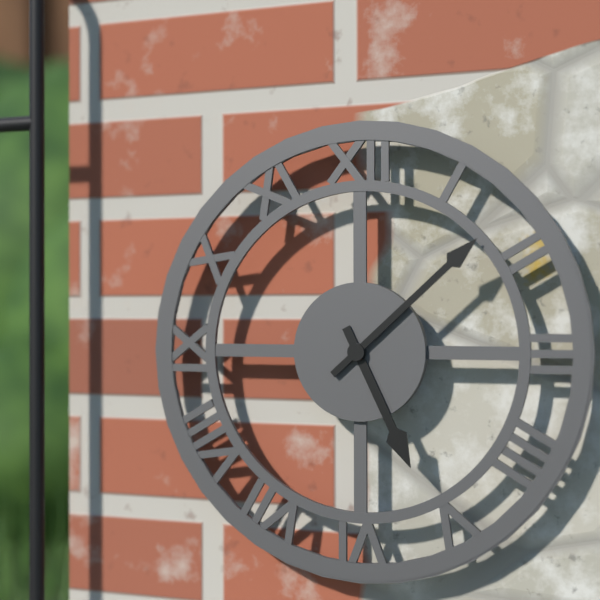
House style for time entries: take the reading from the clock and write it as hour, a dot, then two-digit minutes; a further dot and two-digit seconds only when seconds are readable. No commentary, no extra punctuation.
5.08
